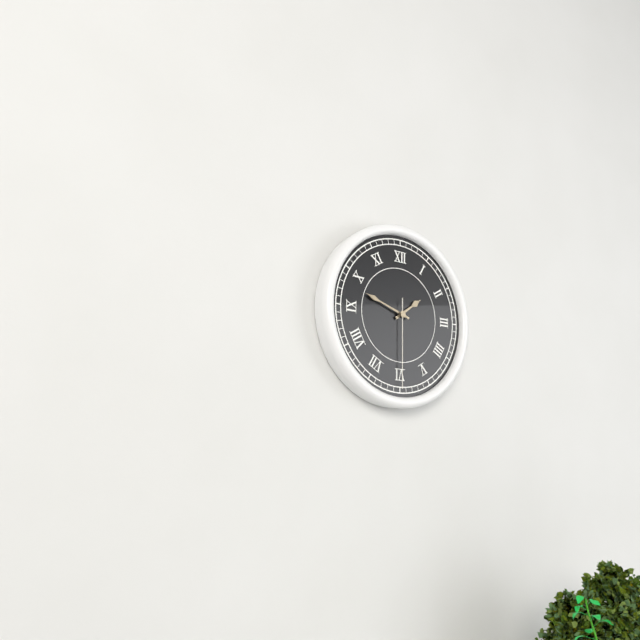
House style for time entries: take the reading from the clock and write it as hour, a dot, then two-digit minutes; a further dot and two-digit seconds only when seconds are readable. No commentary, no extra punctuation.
1.48.30
